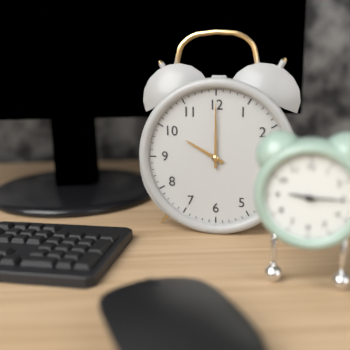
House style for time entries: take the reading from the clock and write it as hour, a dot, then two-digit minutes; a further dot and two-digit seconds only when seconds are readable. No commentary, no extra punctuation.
10.00
